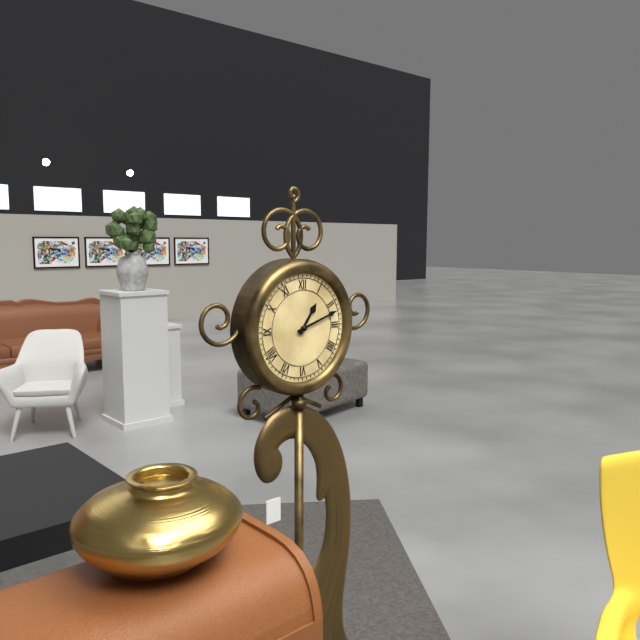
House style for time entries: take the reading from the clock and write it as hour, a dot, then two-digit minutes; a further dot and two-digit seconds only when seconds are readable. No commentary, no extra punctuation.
1.12
